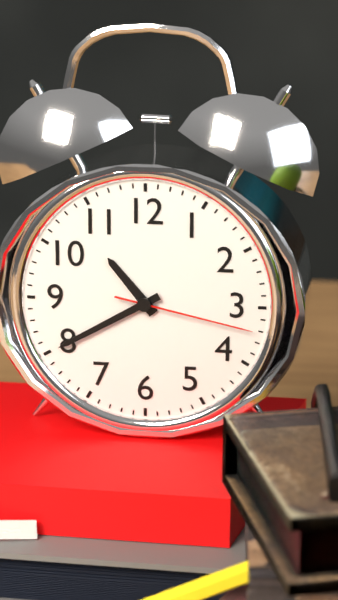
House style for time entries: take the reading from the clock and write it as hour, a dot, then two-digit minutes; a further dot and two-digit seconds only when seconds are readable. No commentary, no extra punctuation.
10.40.17
